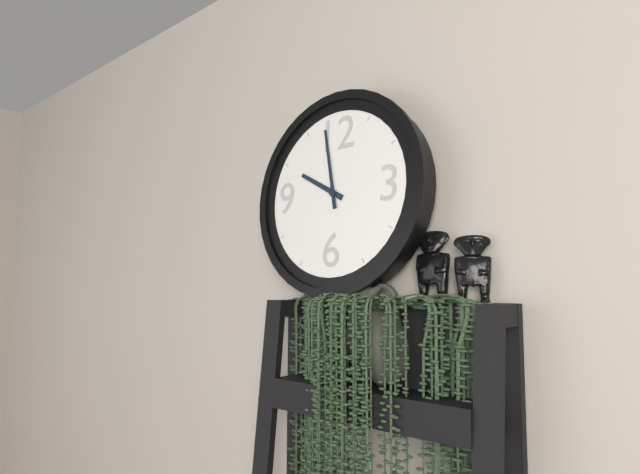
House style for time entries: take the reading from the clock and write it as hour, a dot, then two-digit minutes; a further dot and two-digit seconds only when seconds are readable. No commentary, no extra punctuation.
9.58
